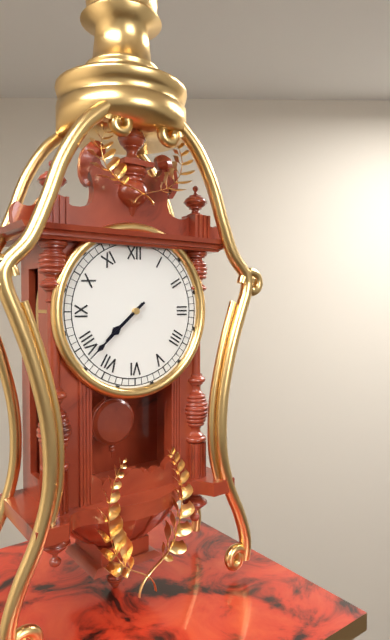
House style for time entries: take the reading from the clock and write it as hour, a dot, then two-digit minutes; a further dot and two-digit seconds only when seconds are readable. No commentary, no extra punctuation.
7.38
